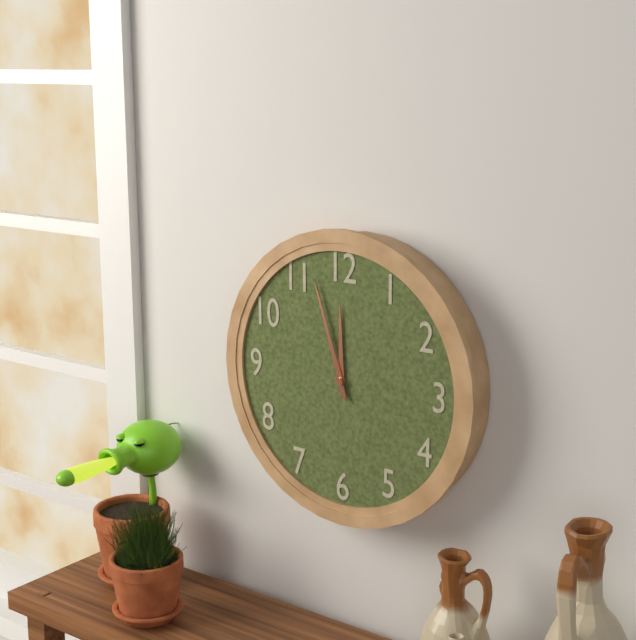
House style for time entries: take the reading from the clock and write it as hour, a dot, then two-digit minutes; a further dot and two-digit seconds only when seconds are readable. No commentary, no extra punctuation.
11.57
